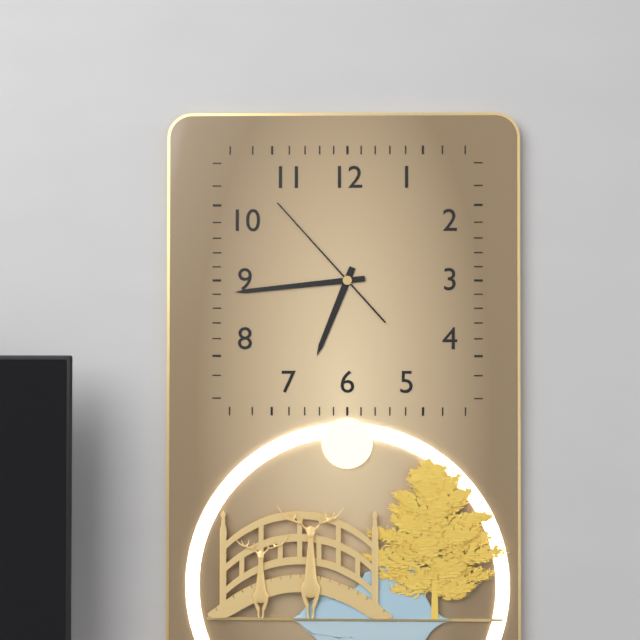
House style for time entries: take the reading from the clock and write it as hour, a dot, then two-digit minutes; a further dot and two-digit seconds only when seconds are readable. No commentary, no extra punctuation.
6.44.53
